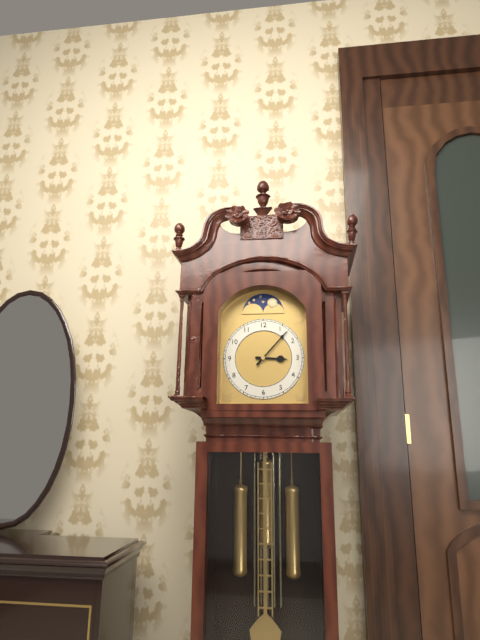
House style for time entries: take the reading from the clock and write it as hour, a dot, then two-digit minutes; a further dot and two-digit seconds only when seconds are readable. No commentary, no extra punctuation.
3.07
